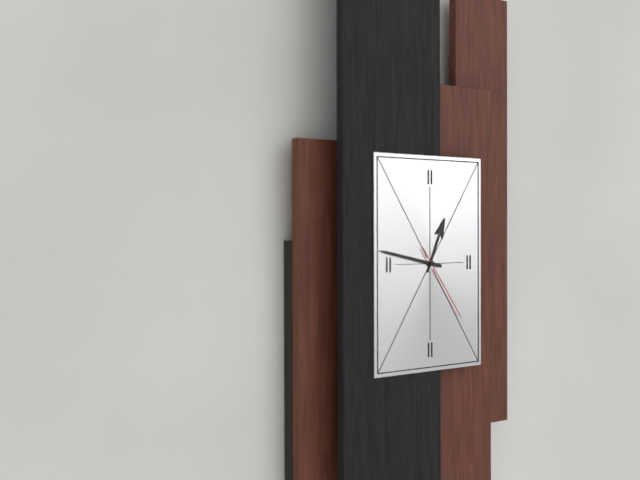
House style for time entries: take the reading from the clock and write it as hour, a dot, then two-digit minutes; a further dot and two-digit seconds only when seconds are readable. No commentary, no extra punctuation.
12.47.24
